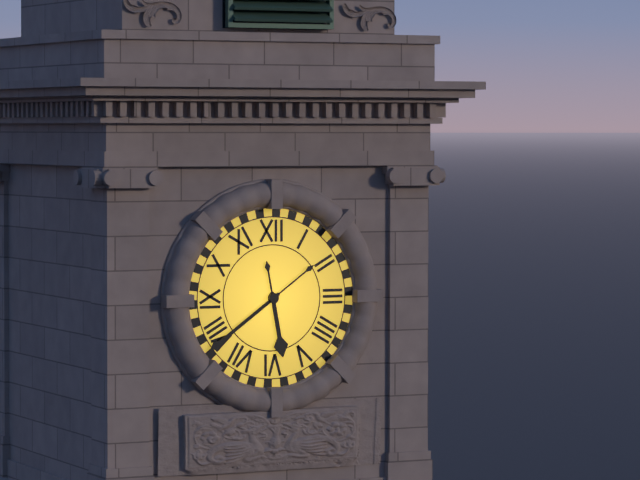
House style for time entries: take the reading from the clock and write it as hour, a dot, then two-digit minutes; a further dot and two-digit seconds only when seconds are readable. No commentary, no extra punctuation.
5.39
